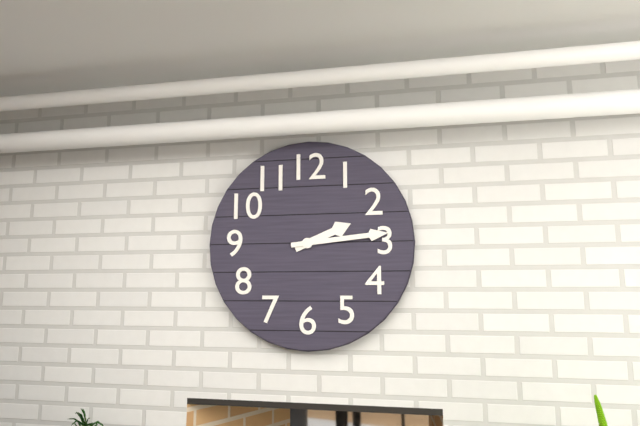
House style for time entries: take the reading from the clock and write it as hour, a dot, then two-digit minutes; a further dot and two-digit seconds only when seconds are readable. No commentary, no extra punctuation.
2.14
